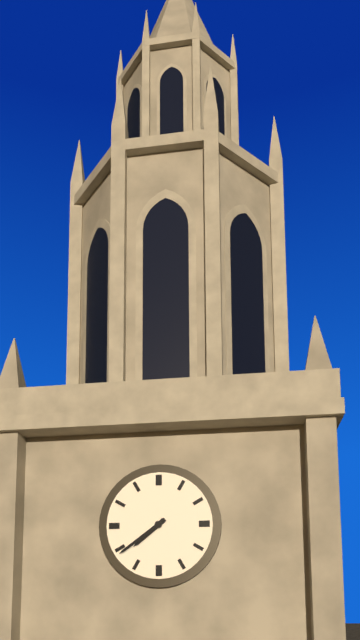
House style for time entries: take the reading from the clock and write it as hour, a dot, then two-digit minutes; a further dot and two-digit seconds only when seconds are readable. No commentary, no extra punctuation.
7.39
